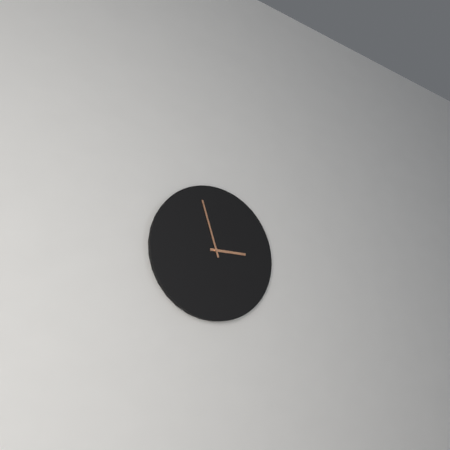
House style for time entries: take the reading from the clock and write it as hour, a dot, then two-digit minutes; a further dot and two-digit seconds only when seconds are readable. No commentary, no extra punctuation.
2.57
